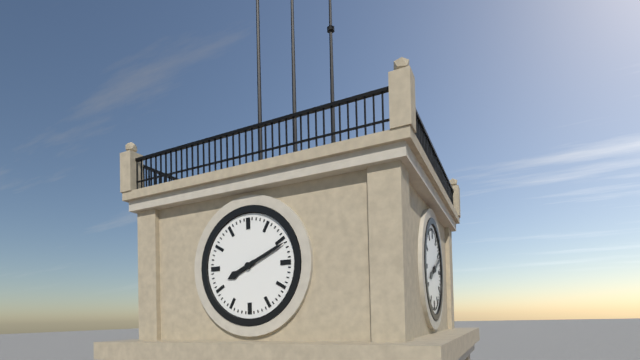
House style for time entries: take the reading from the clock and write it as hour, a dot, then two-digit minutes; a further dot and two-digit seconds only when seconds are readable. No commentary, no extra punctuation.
8.11
